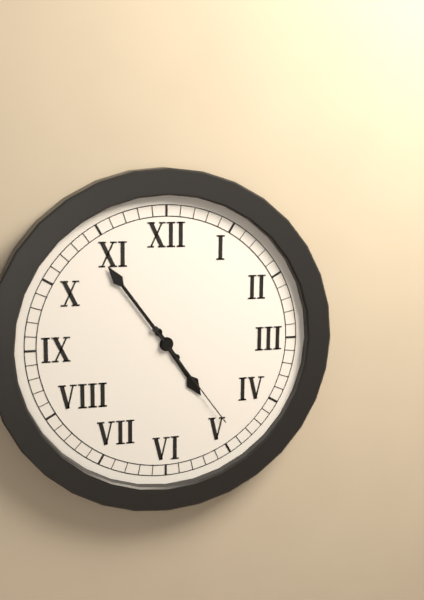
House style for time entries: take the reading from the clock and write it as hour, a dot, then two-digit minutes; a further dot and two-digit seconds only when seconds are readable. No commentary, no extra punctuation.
4.54.24
